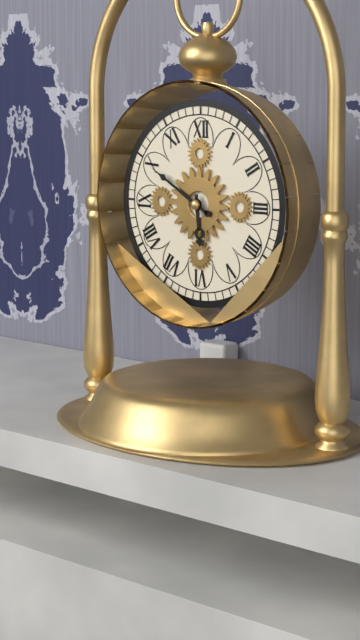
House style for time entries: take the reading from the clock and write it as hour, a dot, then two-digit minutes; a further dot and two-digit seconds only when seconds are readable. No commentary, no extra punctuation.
5.50
